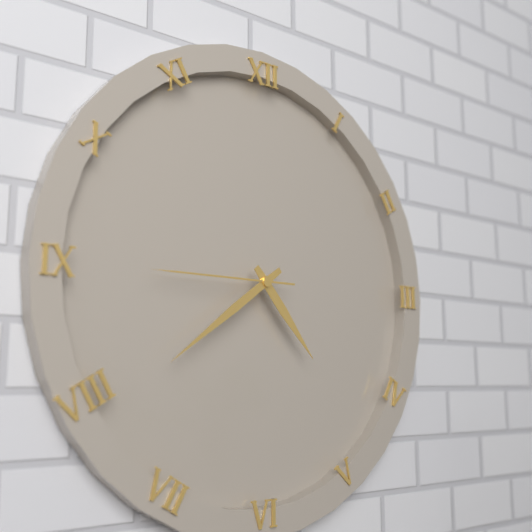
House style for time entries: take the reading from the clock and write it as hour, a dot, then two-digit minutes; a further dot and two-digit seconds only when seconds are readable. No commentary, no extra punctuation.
4.39.45
